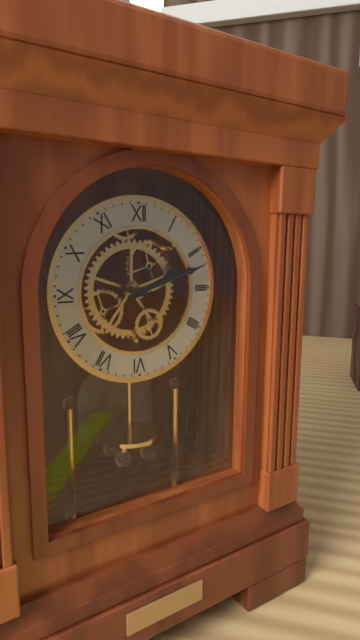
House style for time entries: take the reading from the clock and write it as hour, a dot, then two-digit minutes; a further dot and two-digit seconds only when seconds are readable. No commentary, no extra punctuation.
2.12
